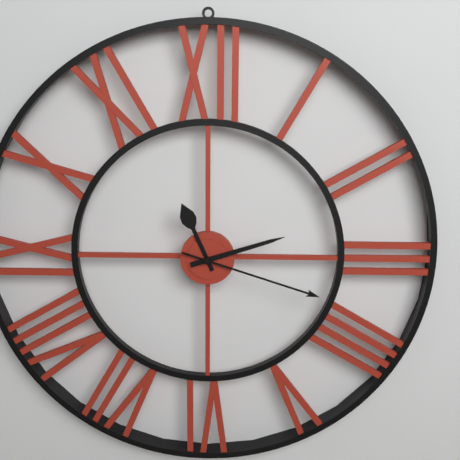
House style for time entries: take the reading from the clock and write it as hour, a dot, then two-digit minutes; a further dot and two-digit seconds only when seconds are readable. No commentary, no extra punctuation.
11.12.18
